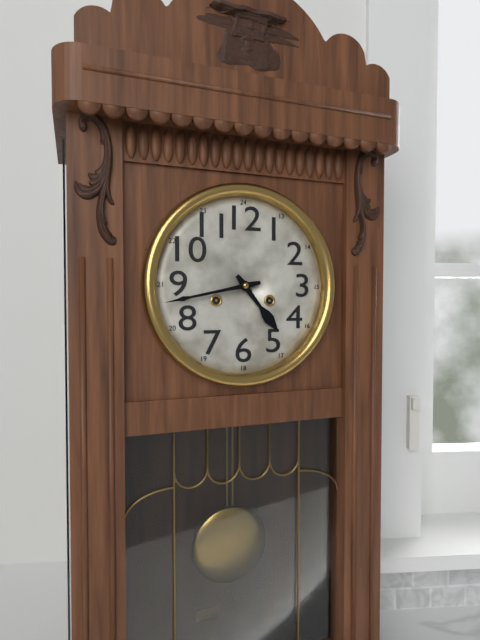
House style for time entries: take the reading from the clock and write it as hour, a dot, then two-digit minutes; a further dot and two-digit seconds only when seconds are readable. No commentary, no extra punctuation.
4.43
